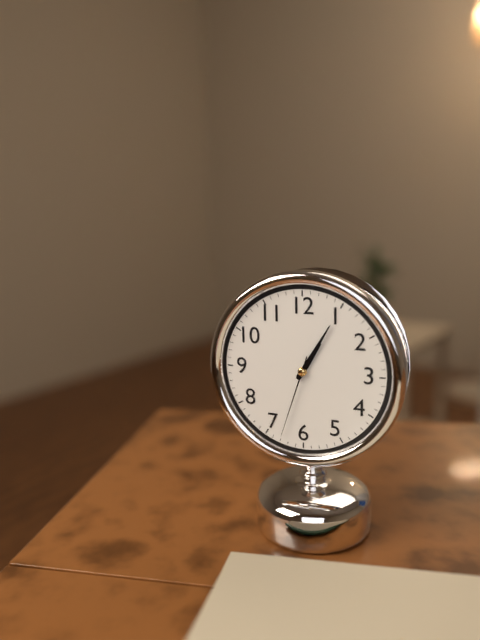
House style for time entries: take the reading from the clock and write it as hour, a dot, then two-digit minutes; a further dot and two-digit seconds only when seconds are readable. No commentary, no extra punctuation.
1.05.33
